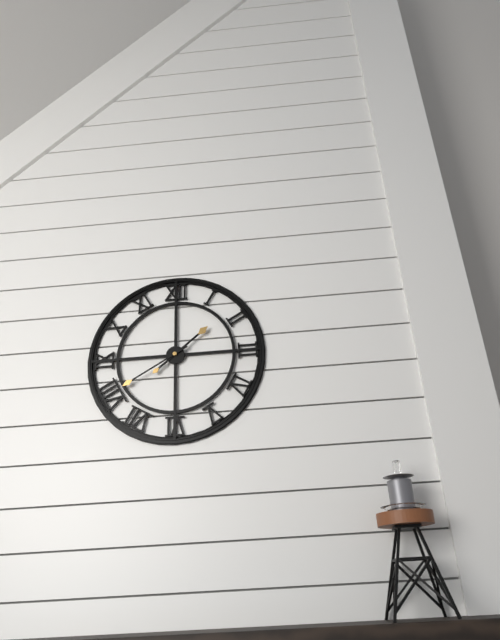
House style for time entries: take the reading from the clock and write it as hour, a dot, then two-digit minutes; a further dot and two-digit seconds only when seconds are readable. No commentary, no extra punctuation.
1.40
